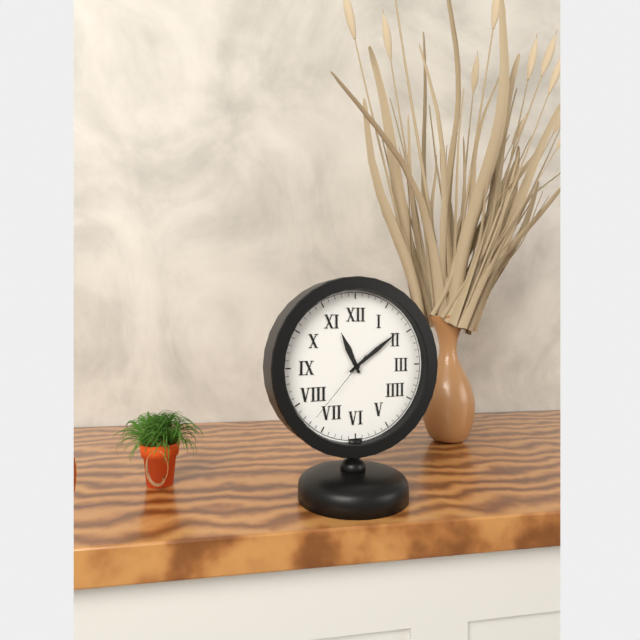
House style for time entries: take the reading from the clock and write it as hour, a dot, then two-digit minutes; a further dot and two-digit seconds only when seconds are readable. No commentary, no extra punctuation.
11.09.37
